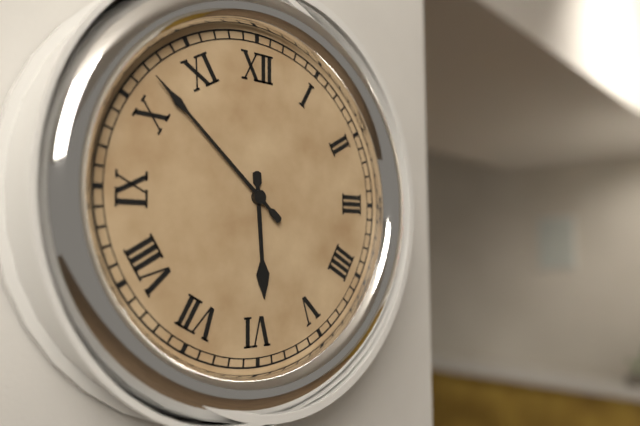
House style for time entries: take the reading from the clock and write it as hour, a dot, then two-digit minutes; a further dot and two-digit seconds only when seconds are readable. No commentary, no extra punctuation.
5.52
